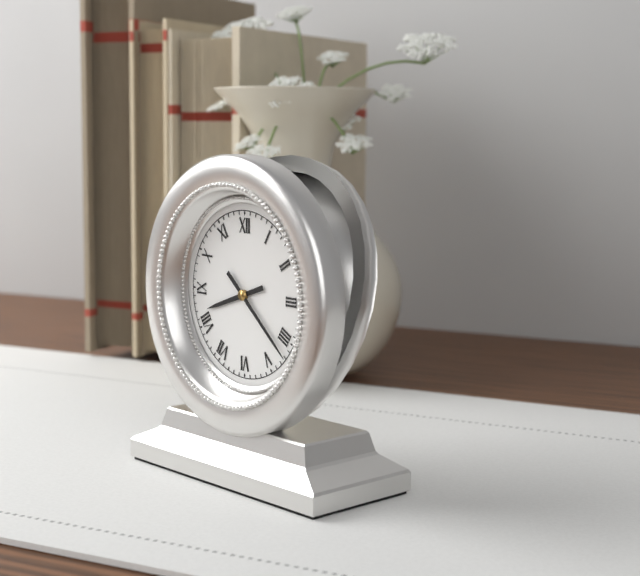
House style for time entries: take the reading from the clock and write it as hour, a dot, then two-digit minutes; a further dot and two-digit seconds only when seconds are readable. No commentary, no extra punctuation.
8.22
